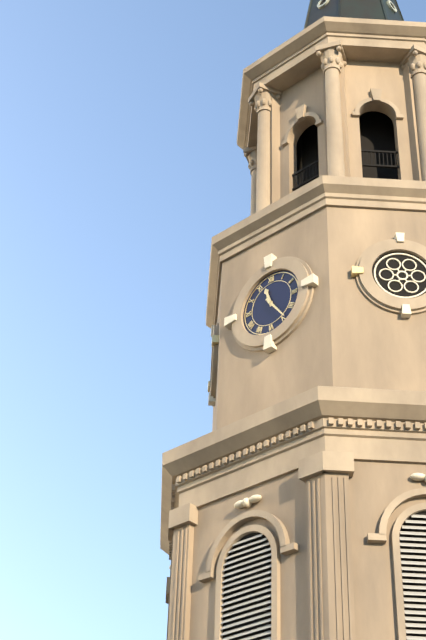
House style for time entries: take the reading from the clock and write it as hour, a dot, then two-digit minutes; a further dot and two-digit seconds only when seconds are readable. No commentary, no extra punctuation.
11.24
